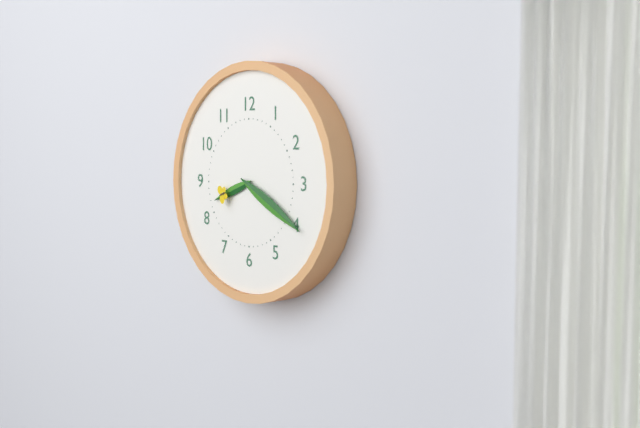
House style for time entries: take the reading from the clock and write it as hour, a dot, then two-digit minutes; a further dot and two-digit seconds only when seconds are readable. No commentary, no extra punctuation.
8.20
